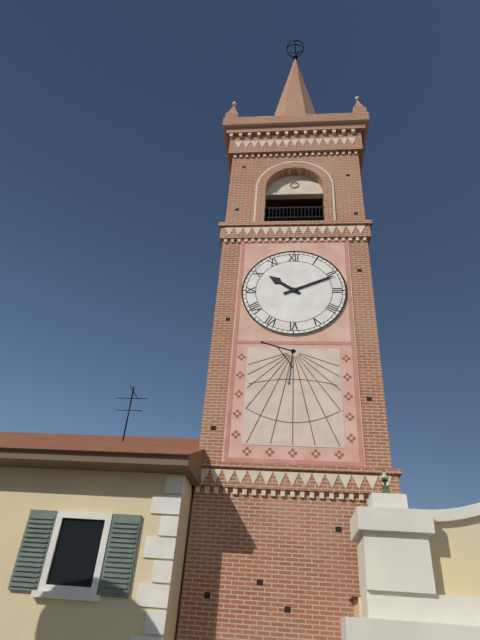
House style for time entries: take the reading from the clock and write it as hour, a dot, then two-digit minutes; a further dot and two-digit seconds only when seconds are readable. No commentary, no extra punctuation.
10.11
